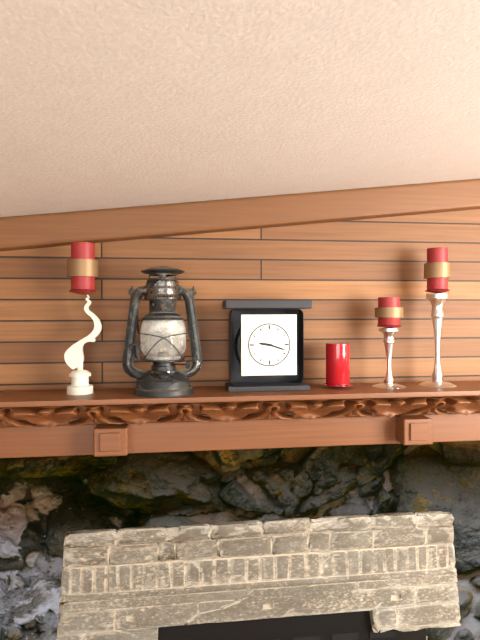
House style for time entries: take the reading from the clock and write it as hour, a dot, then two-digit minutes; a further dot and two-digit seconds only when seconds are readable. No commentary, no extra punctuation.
9.18
